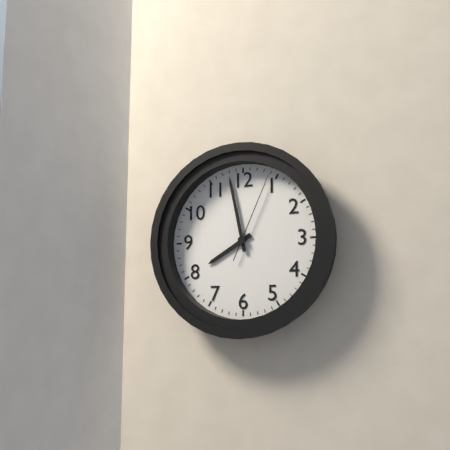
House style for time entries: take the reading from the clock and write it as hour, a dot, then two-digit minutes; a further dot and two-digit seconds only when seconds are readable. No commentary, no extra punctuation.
7.58.04
